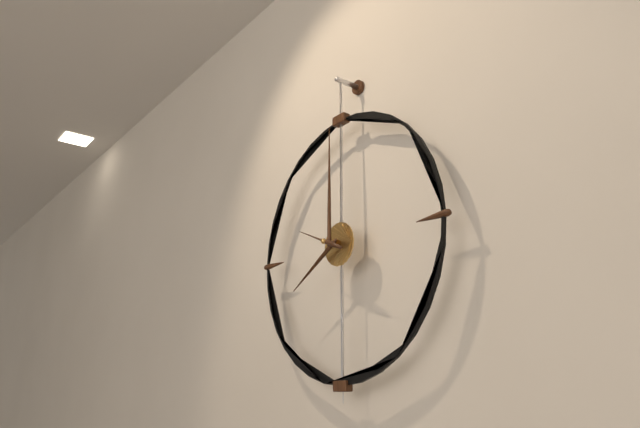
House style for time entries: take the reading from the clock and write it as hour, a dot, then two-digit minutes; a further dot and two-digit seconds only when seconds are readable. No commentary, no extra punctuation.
8.00
